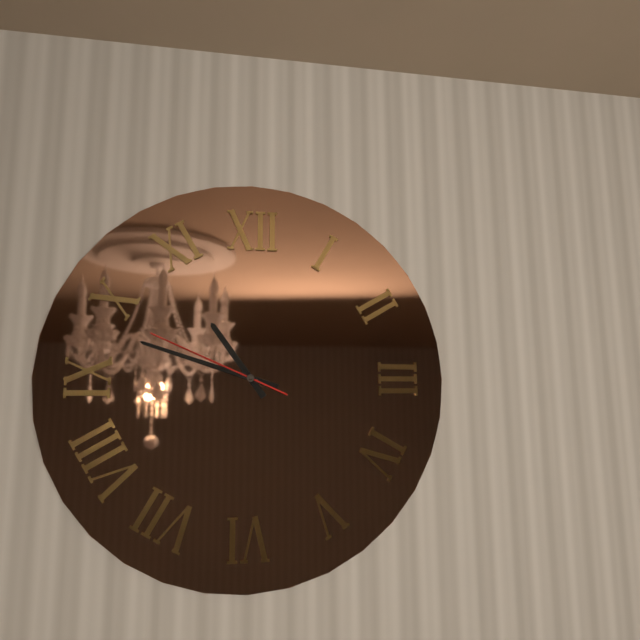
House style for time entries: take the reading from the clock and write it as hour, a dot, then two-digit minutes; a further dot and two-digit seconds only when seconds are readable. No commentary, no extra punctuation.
10.48.49
